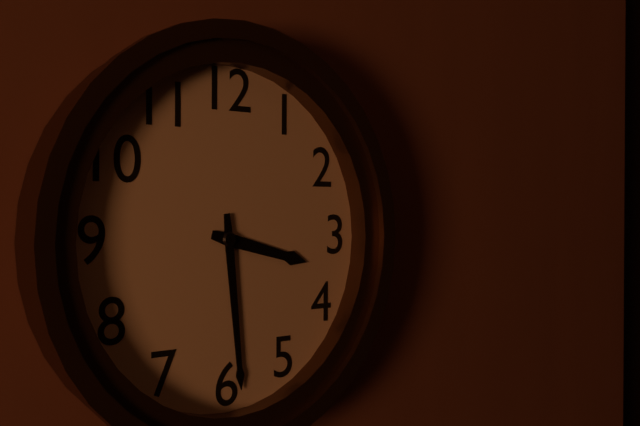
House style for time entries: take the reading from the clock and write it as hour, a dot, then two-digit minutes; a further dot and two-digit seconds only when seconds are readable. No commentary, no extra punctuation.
3.29
